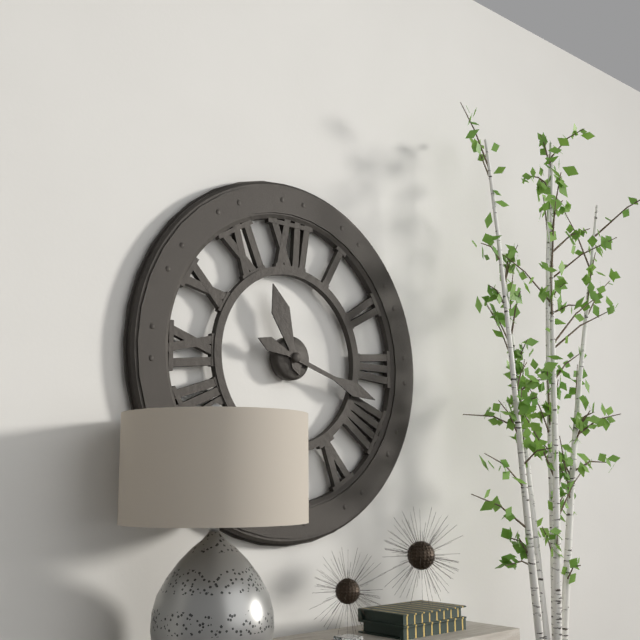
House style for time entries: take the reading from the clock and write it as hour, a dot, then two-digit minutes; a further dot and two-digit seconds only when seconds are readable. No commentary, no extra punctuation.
11.18
